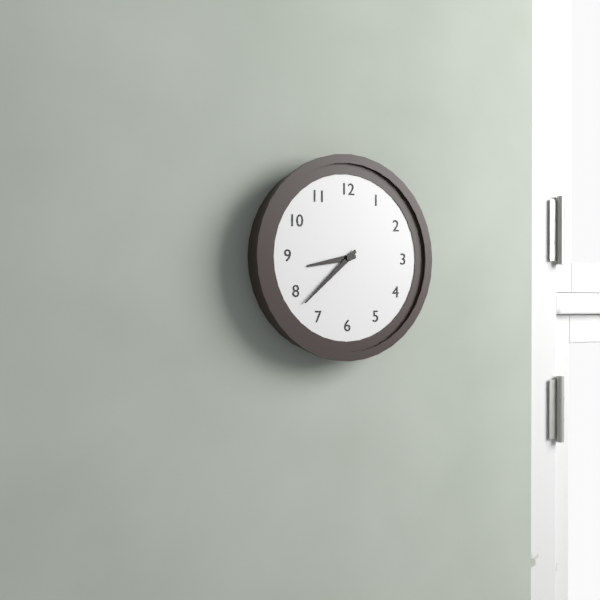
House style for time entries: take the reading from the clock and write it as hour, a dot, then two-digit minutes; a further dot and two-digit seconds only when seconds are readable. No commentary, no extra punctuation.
8.38
